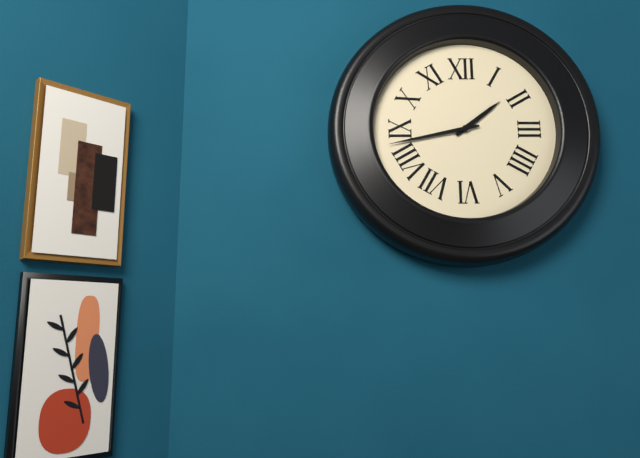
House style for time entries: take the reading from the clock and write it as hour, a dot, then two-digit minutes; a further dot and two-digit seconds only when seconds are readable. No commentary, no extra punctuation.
1.43
